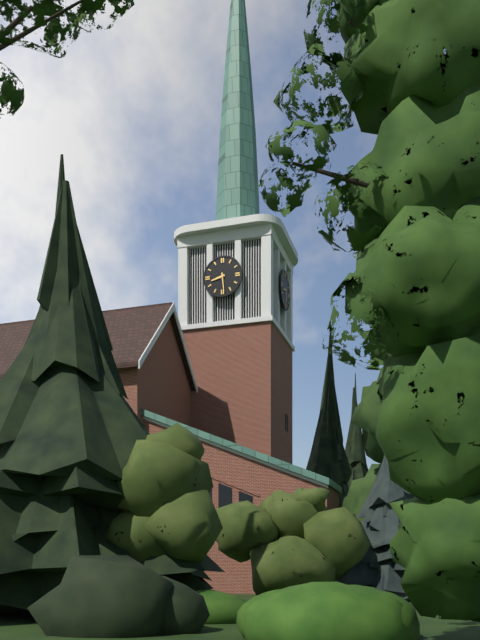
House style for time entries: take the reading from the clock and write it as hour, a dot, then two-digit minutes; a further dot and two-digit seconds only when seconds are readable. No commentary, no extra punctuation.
8.29
